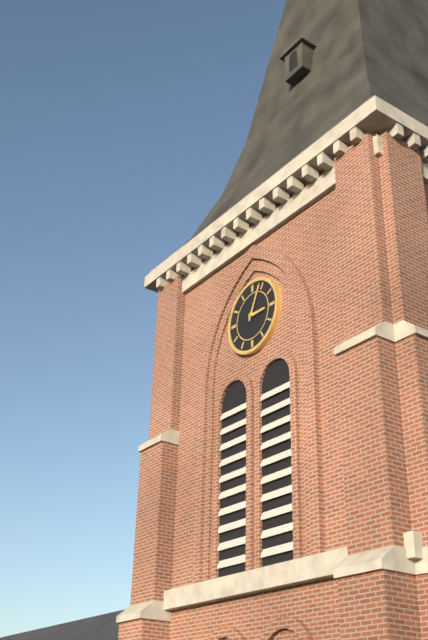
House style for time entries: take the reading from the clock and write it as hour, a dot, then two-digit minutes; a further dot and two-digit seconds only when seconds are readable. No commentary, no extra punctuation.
3.04
